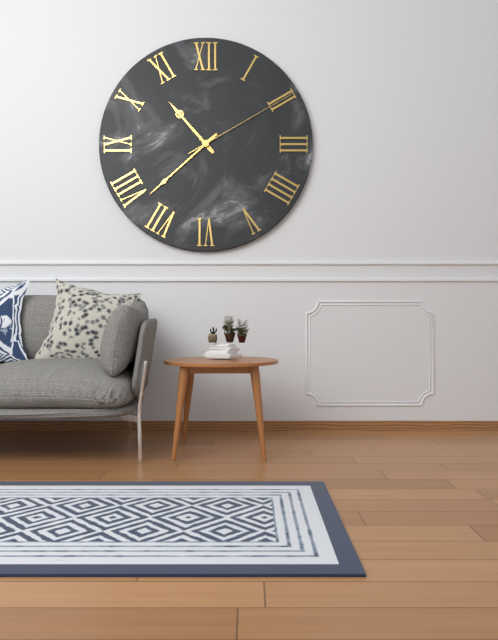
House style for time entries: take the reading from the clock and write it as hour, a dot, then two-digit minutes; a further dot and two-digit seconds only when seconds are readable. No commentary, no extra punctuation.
10.38.10
